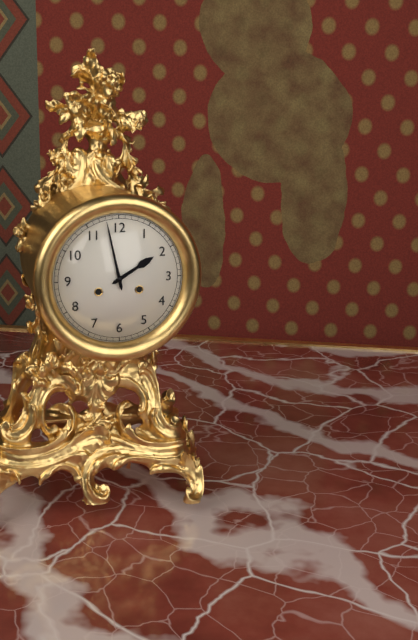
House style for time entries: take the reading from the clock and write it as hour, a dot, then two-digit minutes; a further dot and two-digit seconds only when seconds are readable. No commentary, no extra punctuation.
1.58
